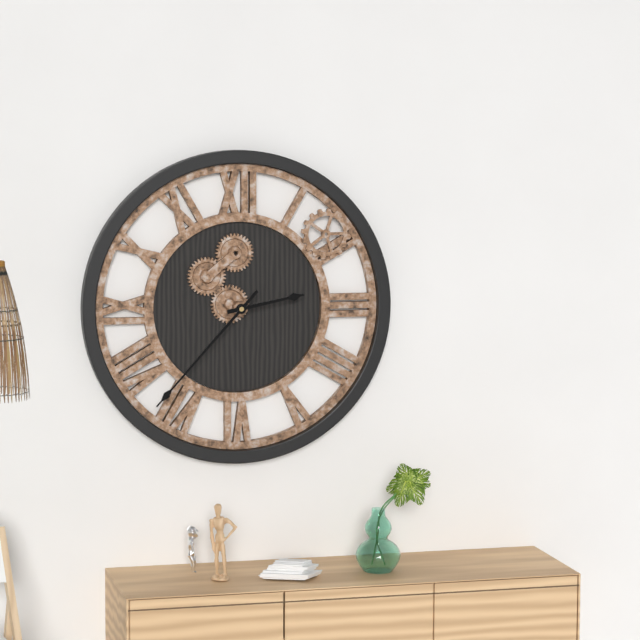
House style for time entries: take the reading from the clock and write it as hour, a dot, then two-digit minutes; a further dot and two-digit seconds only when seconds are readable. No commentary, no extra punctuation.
2.37
